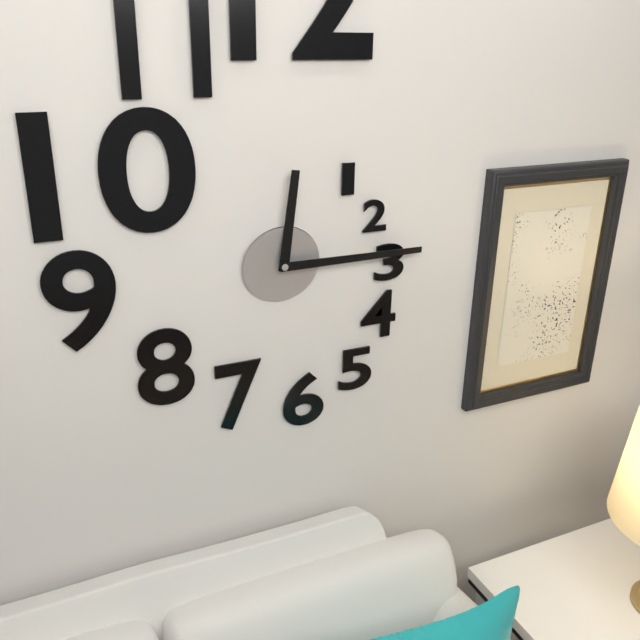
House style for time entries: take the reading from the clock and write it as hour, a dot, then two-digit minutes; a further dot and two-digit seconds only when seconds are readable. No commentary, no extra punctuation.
12.15
